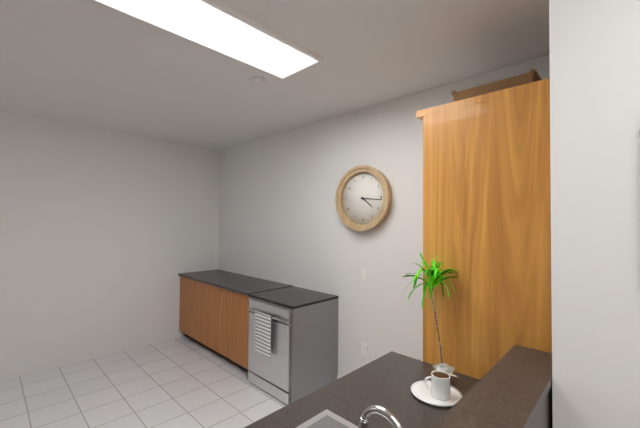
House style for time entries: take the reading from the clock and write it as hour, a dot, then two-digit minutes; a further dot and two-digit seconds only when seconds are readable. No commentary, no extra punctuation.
4.16
